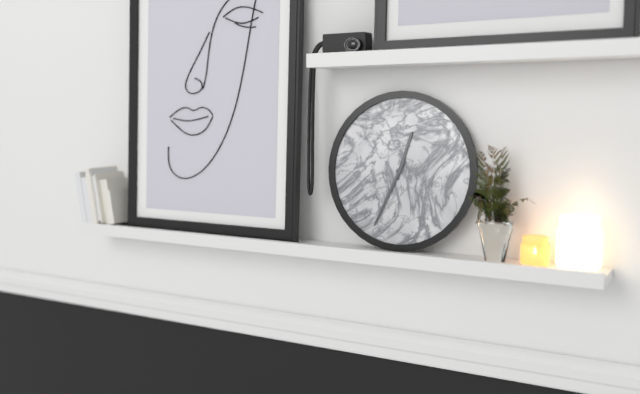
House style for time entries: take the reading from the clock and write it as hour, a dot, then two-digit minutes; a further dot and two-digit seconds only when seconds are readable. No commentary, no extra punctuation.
12.34
